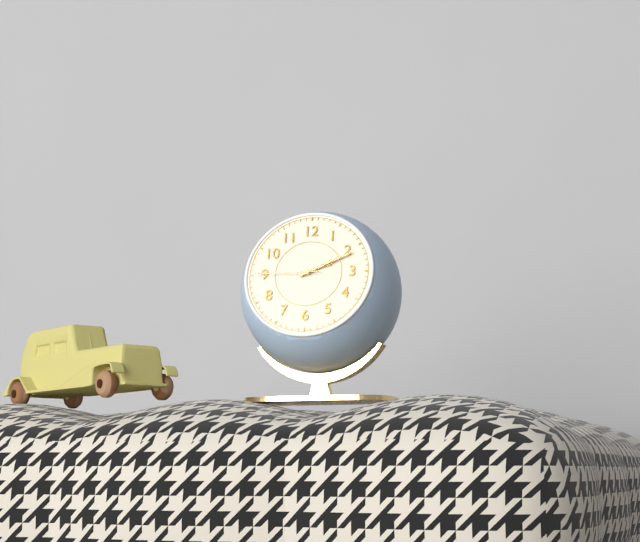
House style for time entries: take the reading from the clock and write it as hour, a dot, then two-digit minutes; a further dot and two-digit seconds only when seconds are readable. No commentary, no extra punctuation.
2.11.45
